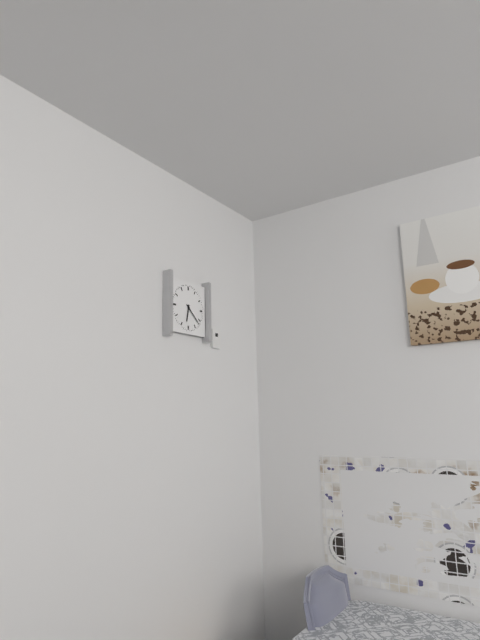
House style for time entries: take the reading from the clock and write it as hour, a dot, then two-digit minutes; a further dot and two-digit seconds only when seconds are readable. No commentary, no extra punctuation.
6.22
